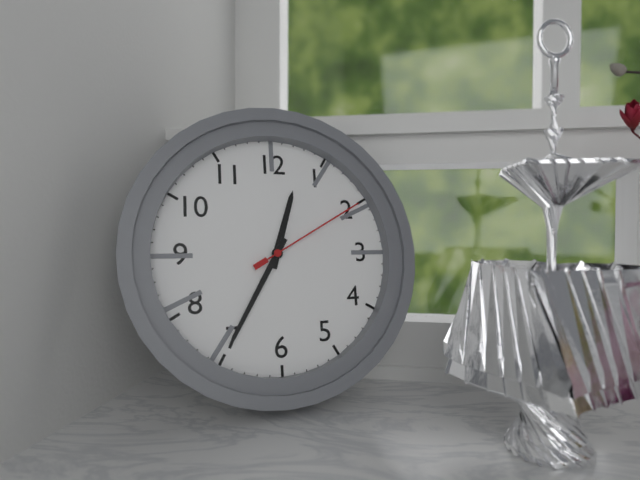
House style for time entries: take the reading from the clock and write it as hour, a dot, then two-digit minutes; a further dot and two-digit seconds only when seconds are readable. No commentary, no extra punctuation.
12.35.10
